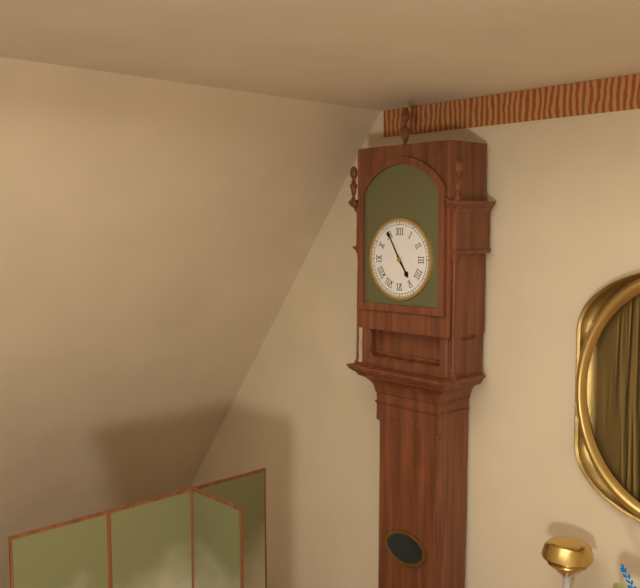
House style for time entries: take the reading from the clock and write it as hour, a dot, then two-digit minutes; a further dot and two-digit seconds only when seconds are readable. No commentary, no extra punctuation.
4.55
